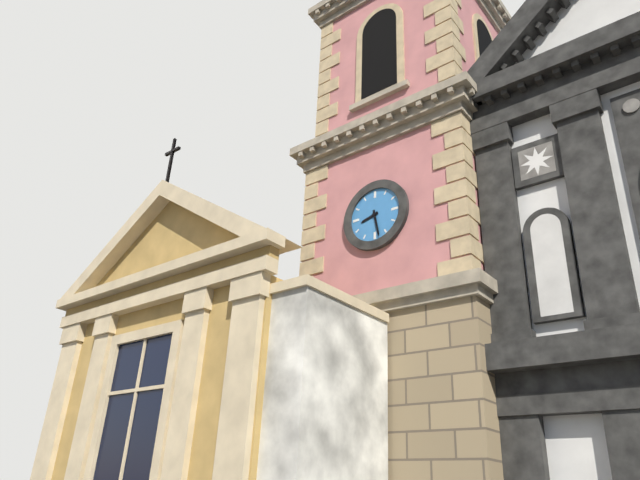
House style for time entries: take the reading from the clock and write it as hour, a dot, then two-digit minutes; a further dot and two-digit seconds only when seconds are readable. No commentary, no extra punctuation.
8.28
